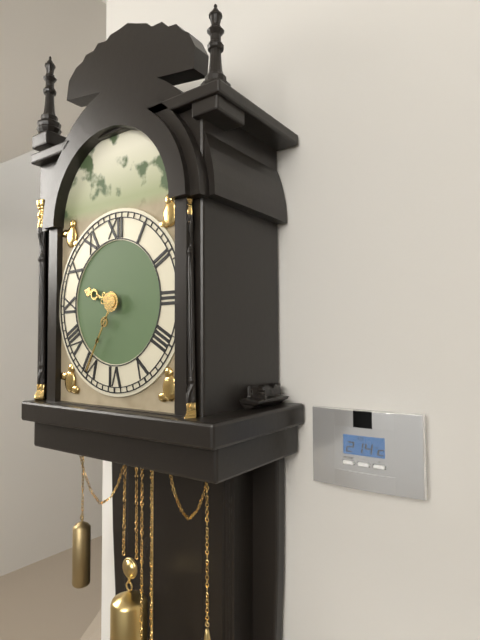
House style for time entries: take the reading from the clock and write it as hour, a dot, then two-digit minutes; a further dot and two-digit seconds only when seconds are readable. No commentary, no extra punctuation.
9.35
